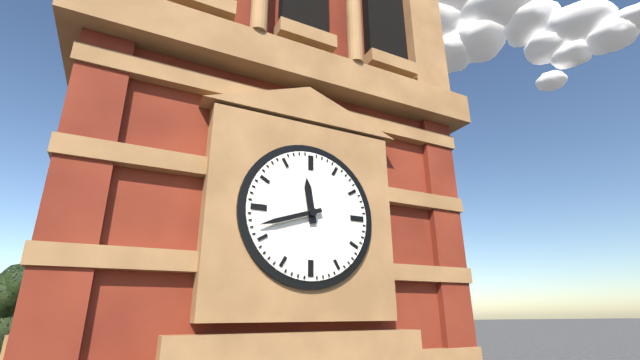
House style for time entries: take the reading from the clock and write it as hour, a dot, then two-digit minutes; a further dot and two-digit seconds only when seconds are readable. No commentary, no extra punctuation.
11.42
